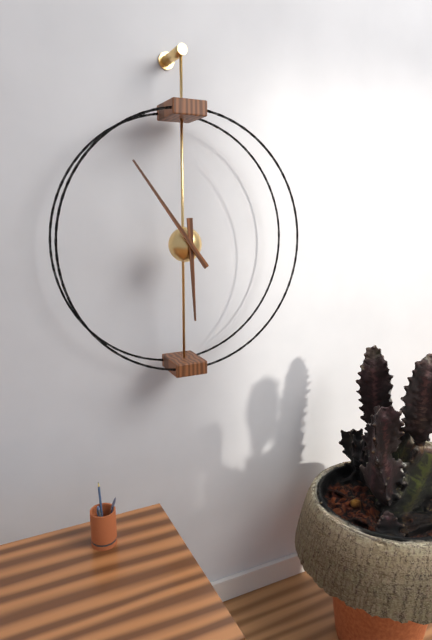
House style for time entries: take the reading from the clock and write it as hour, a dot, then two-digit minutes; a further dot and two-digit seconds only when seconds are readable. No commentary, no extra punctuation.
5.54
